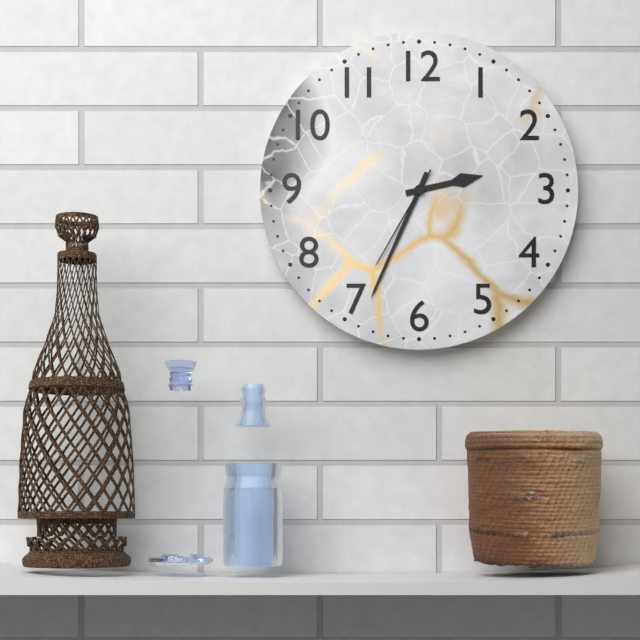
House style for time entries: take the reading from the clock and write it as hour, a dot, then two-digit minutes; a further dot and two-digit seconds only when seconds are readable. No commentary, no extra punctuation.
2.34.35
